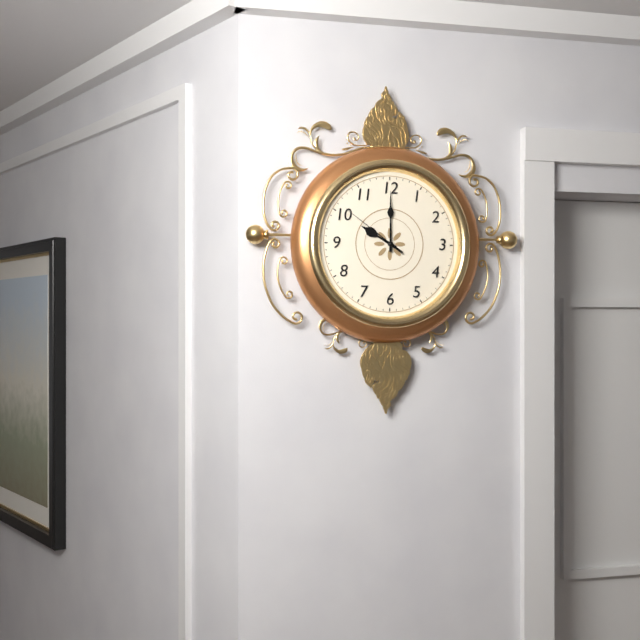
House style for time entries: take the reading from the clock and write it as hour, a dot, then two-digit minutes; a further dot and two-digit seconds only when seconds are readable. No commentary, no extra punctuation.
10.00.51
